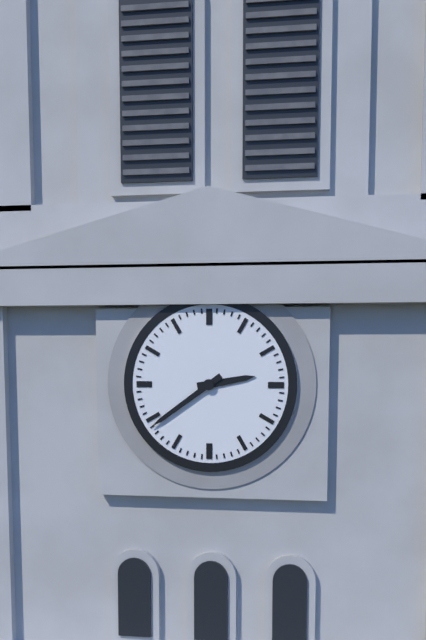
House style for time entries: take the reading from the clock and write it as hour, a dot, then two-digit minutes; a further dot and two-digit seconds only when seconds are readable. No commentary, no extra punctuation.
2.39
